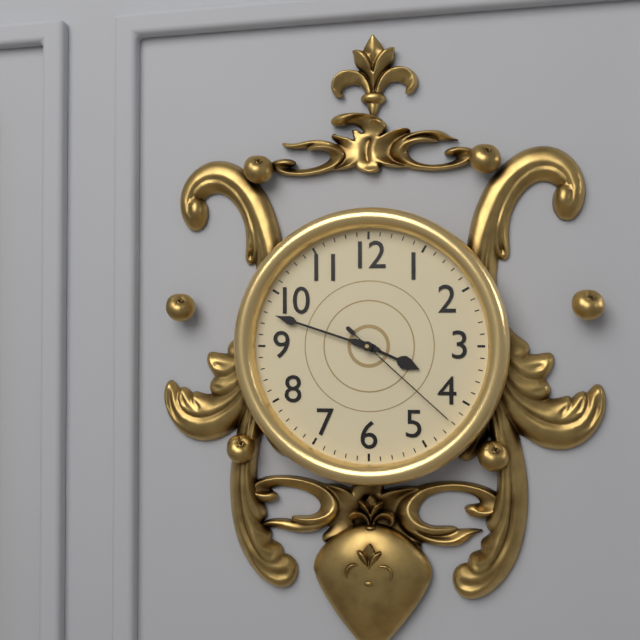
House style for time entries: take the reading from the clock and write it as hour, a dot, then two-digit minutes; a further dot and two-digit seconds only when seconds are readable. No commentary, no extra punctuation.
3.48.22
